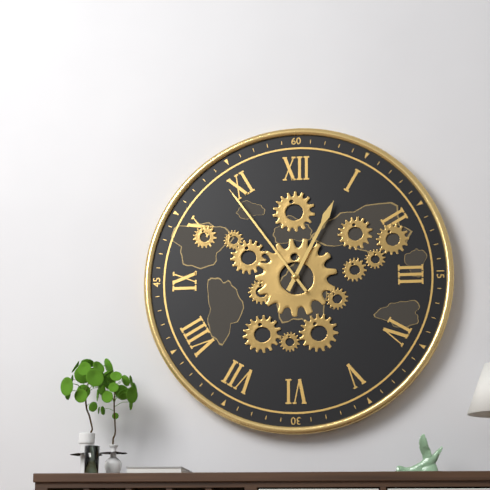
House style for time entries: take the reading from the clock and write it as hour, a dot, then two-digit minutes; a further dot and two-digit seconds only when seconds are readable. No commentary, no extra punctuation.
12.54
